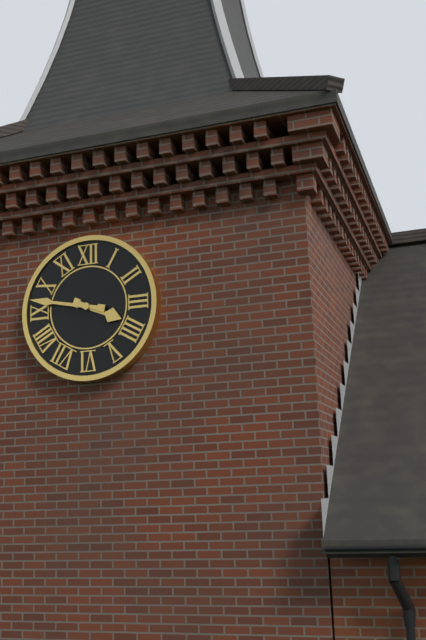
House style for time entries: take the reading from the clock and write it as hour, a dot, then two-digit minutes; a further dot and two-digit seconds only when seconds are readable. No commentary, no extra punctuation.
3.47
